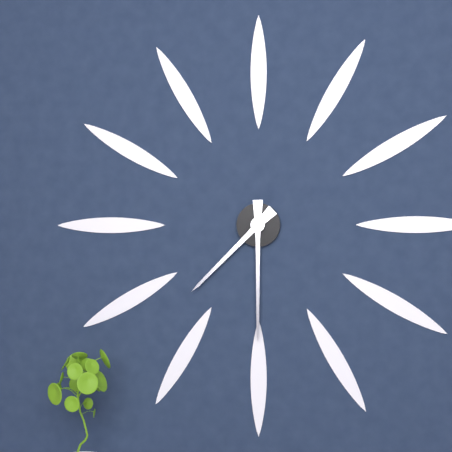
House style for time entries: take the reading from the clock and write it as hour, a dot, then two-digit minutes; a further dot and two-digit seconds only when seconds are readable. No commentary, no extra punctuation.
7.30
